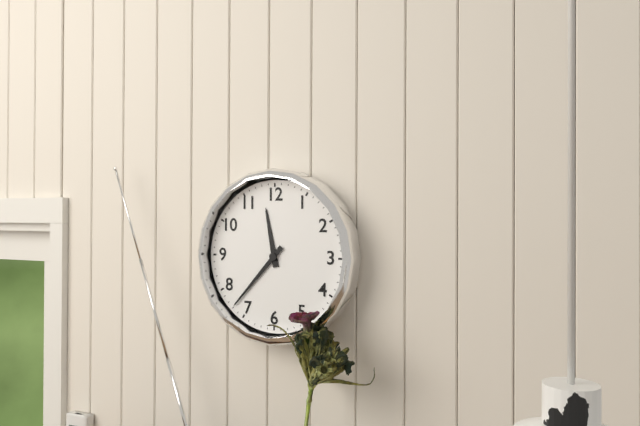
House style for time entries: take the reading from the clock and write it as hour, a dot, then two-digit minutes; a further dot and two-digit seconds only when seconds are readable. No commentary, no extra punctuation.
11.37
